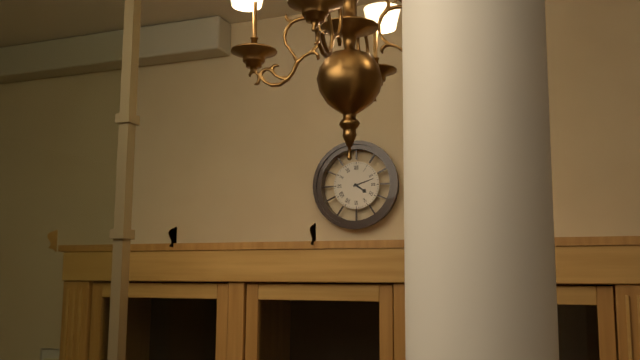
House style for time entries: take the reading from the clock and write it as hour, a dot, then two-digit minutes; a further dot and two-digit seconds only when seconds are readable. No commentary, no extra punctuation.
4.12
